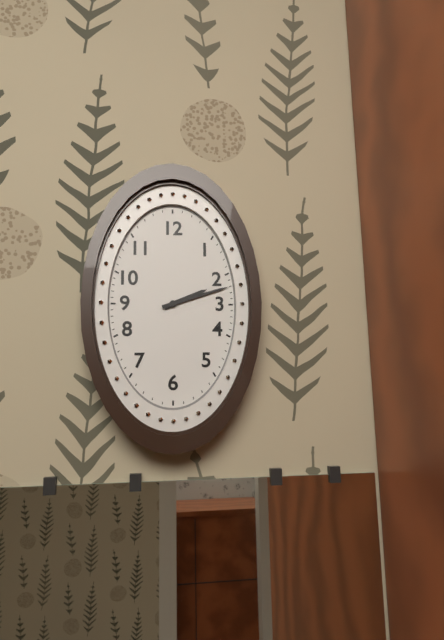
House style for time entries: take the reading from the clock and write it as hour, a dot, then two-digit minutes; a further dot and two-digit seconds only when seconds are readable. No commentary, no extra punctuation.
2.12
